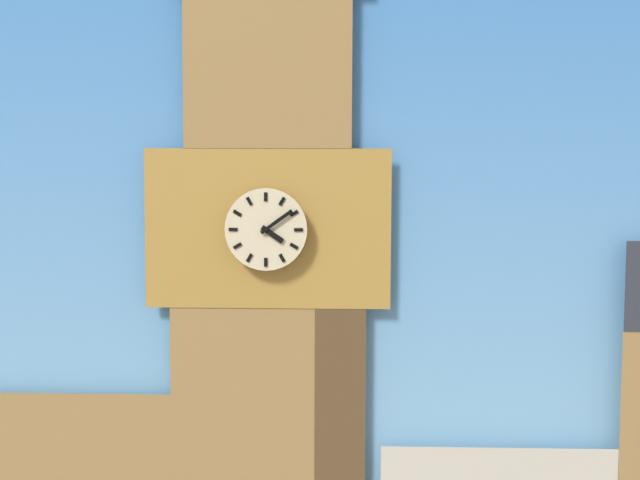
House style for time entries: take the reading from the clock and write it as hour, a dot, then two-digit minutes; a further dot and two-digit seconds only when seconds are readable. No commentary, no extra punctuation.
4.09
